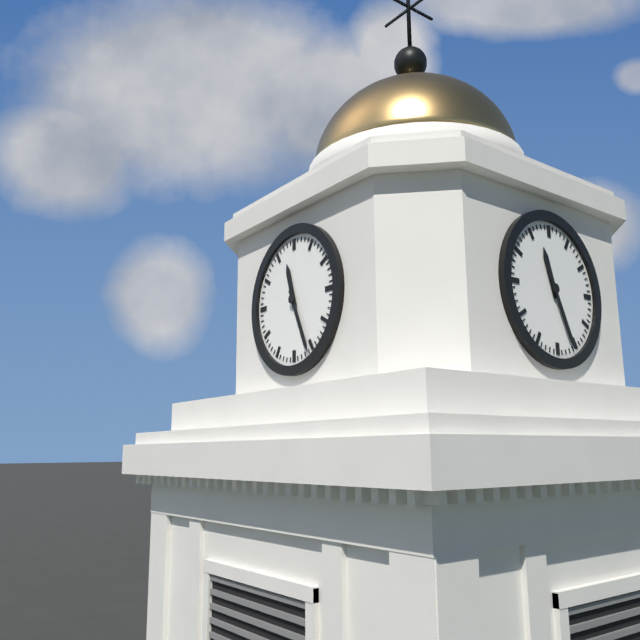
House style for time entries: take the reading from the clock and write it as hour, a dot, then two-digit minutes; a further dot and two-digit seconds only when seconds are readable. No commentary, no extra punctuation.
11.26
